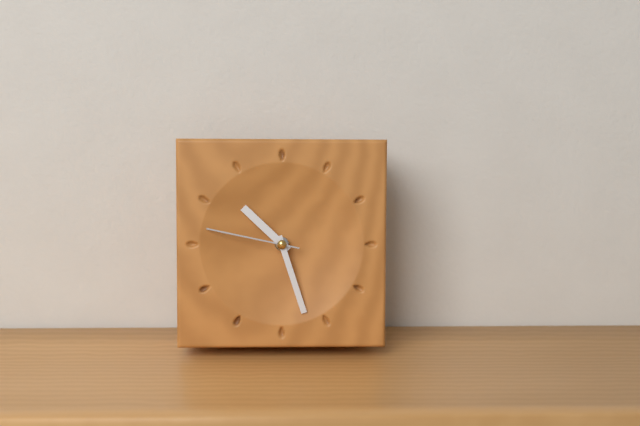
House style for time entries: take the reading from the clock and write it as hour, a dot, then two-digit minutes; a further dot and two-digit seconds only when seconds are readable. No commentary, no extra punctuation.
10.27.47
